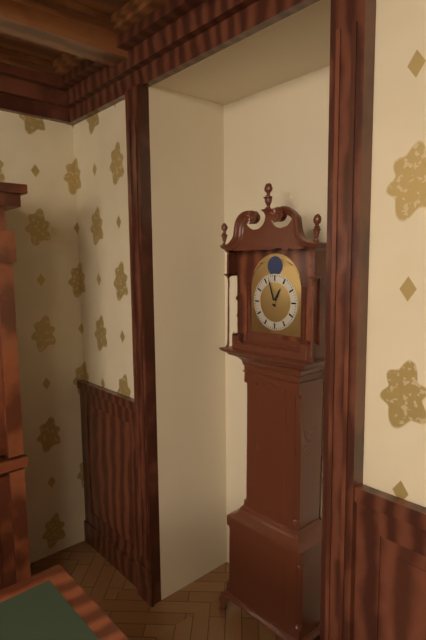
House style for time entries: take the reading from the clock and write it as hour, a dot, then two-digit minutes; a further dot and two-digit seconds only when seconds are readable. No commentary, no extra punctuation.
12.57
